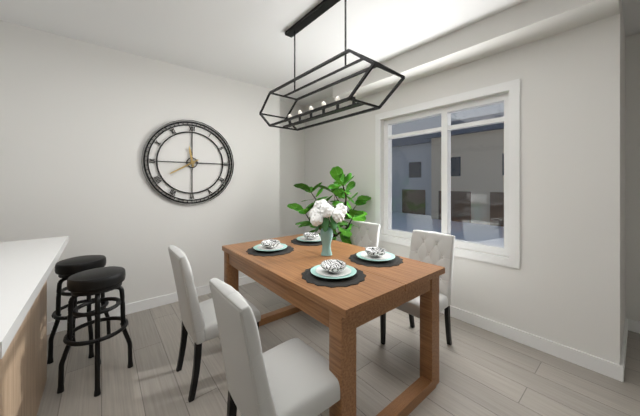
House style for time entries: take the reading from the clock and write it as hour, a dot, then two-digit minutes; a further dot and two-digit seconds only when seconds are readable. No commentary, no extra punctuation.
11.40
